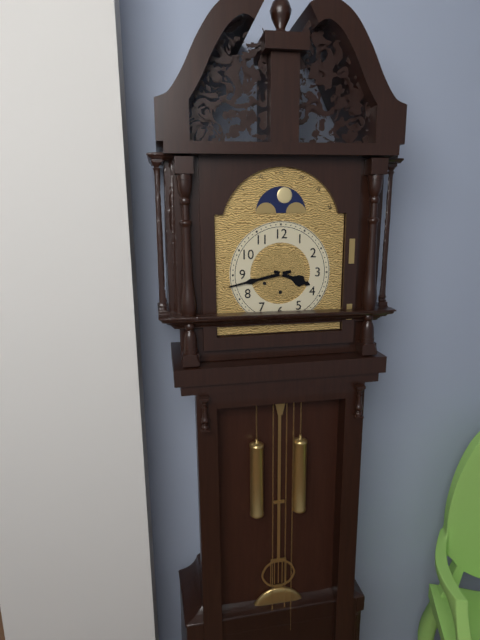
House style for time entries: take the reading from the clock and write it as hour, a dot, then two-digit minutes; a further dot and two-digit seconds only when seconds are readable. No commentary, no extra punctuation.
3.43
